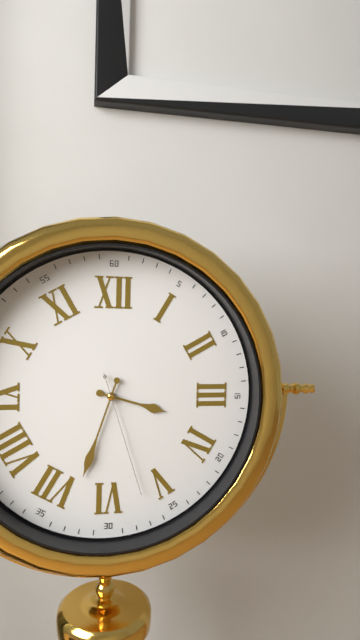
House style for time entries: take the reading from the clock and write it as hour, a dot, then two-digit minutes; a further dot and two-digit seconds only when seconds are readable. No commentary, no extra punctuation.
3.33.27
